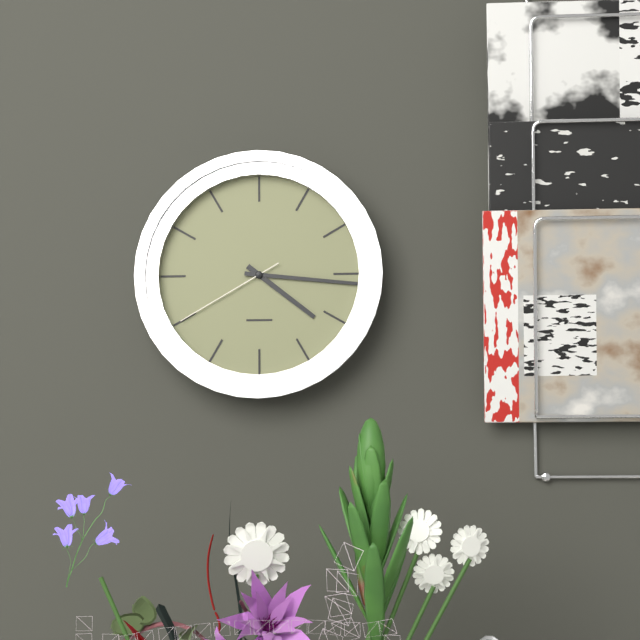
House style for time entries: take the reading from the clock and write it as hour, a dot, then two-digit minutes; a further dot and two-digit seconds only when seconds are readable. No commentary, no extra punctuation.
4.16.40
